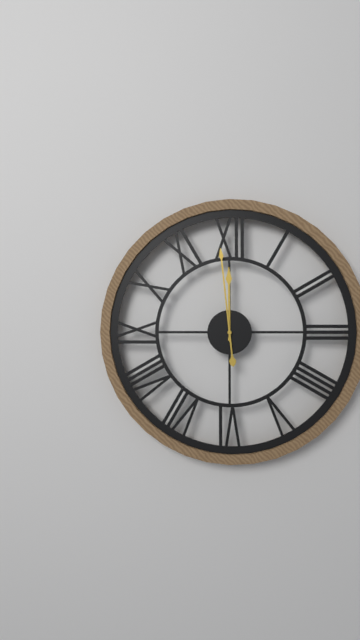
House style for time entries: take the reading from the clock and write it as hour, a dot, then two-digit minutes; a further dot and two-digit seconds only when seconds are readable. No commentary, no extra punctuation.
11.59
